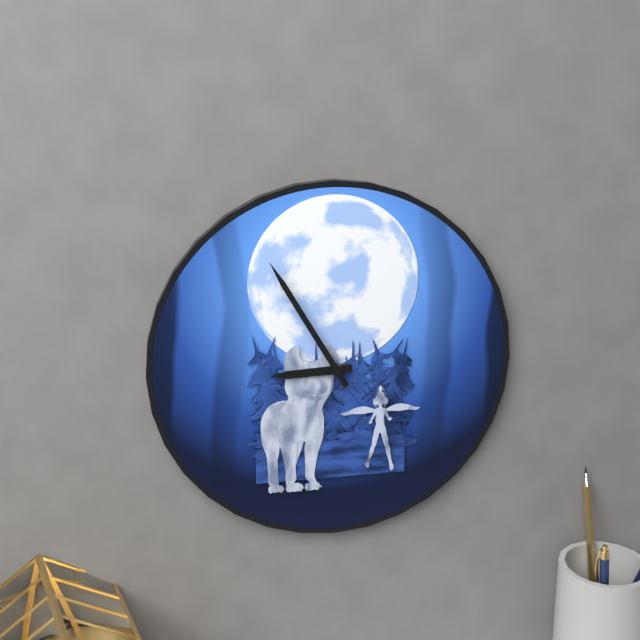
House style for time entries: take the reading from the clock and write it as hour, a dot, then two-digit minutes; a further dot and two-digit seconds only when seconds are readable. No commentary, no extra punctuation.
8.55
